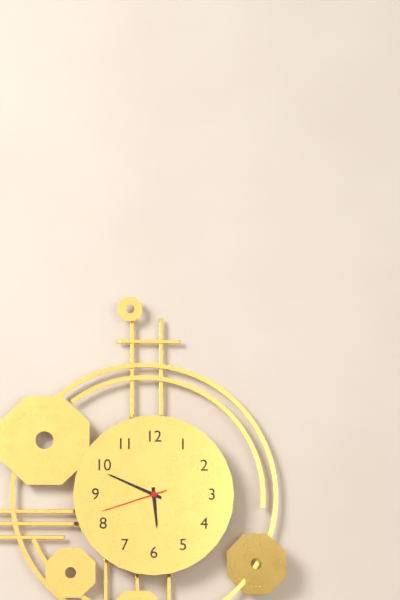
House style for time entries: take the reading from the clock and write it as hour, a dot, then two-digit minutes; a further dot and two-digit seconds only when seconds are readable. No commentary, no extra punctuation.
5.49.42
